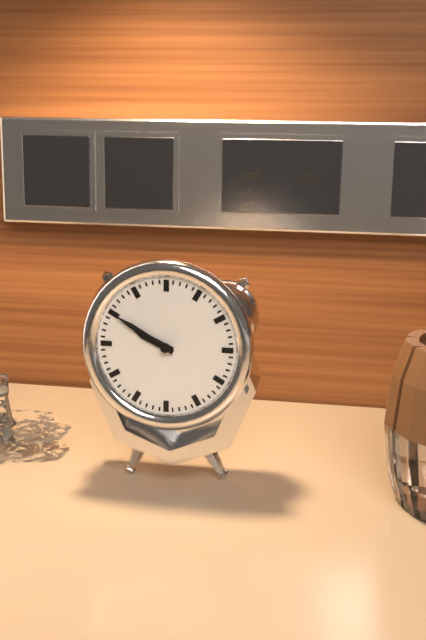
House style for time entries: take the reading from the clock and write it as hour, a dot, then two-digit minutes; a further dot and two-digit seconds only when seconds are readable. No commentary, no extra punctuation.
9.50
